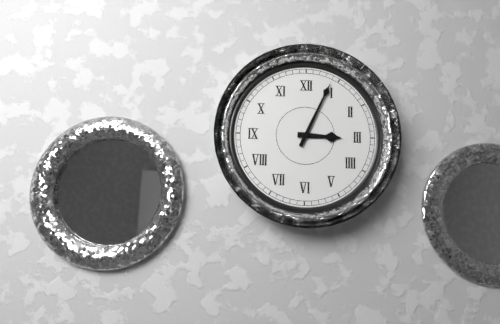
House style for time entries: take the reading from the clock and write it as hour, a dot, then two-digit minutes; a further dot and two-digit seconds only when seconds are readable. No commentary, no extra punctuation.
3.04
